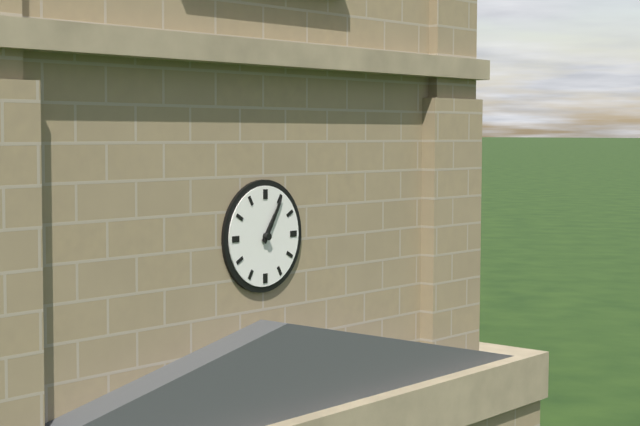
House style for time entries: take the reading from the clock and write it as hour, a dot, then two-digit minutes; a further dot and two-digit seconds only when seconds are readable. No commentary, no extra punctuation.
1.05
